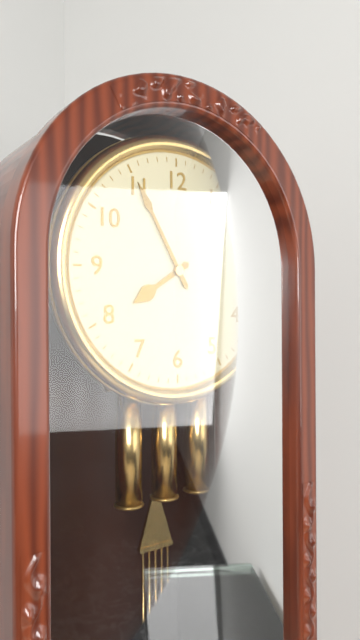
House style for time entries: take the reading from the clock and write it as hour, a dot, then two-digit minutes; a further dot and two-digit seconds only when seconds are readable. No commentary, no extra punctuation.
7.55
